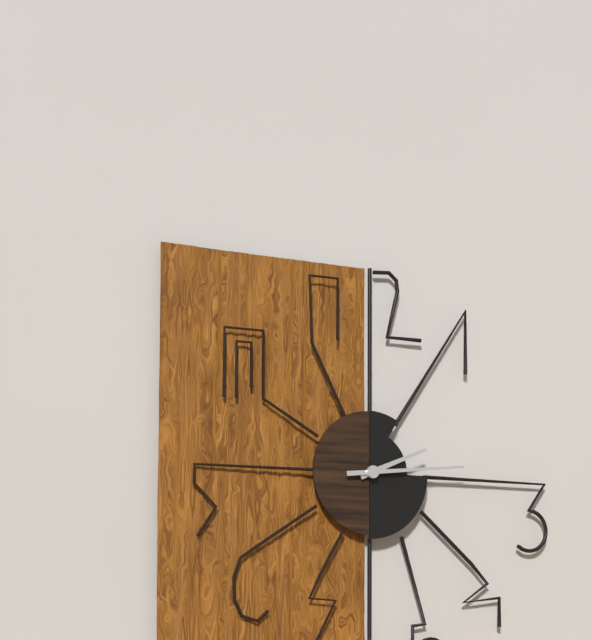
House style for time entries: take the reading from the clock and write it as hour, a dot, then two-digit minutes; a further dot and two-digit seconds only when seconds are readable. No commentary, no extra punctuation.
2.14
